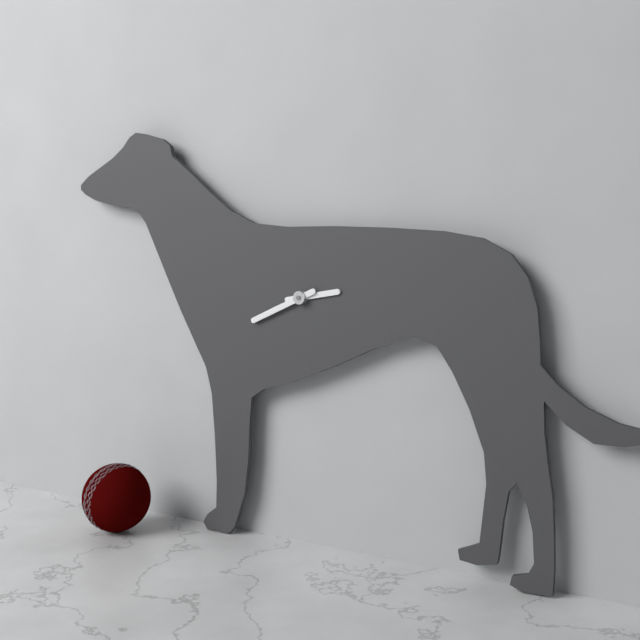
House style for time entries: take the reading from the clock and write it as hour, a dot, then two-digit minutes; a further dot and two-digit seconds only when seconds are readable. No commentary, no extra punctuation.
2.41
